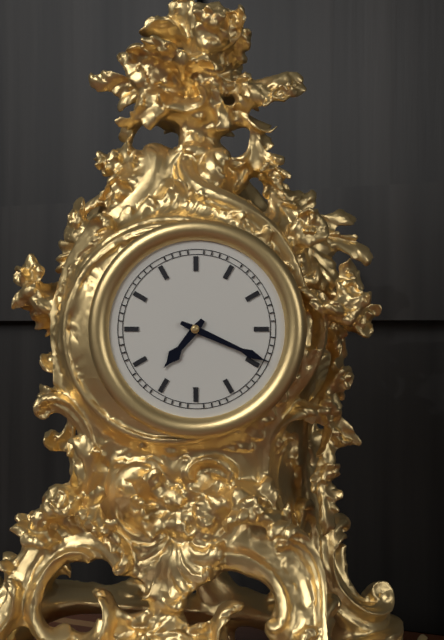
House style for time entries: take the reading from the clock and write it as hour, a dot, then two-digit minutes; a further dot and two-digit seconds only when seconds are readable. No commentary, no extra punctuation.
7.19
